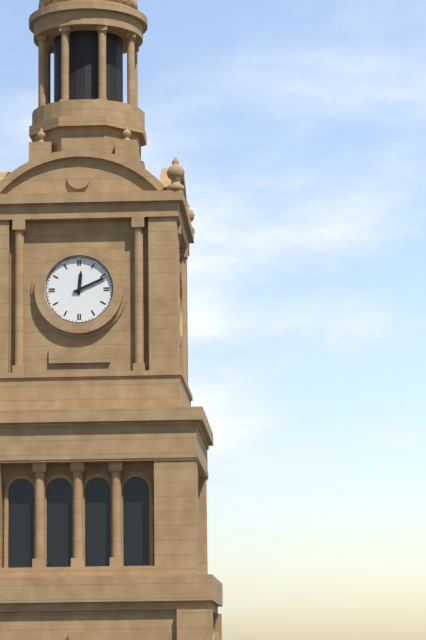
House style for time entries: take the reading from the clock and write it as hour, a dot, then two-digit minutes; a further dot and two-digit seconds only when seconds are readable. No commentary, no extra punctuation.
12.11
